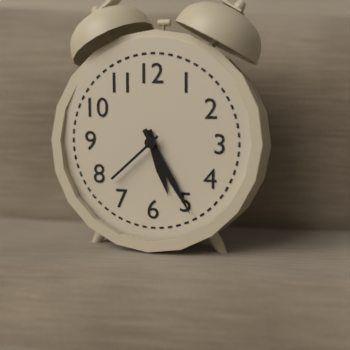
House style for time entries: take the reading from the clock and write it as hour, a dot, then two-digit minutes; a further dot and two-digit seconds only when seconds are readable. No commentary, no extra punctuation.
5.25.38
